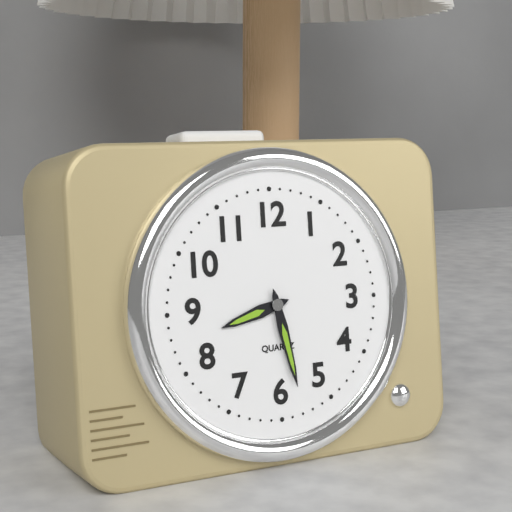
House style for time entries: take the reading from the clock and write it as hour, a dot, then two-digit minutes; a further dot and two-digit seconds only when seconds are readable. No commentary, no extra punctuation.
8.28
